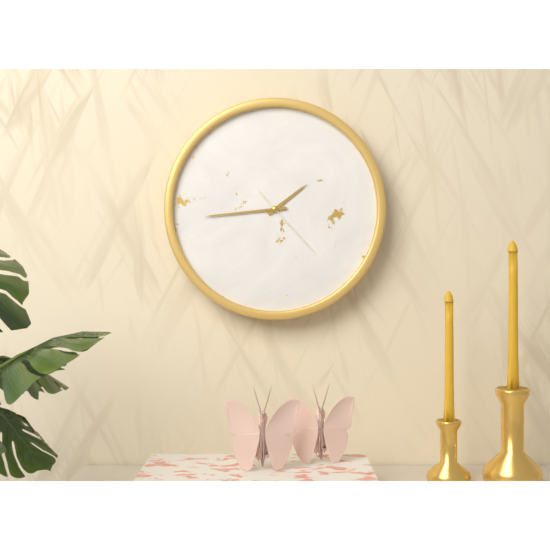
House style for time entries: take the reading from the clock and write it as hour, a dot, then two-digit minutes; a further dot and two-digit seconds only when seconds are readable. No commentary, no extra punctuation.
1.44.23
